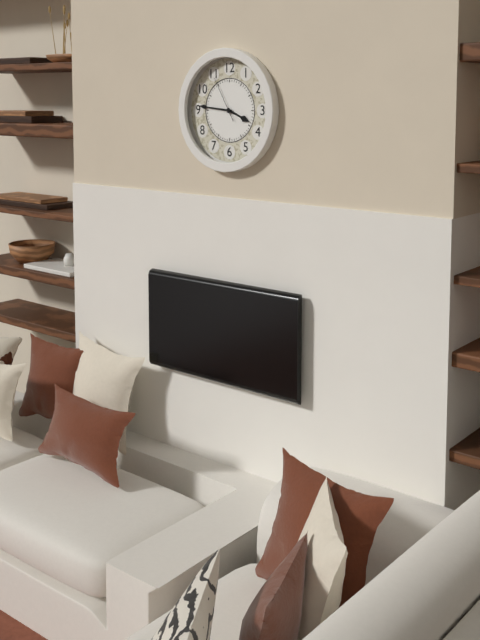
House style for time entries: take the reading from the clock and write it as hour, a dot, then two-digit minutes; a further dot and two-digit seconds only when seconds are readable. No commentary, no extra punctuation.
3.46
